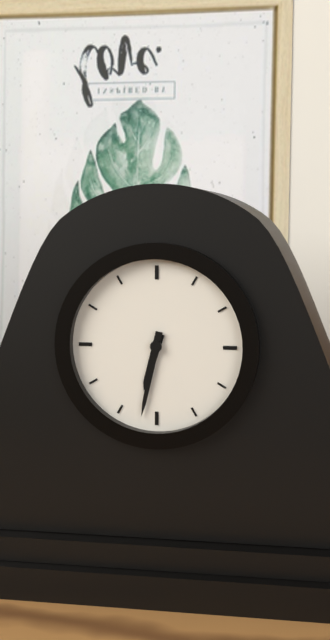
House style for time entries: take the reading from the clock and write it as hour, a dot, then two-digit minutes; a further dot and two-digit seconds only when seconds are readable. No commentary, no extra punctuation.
6.32
